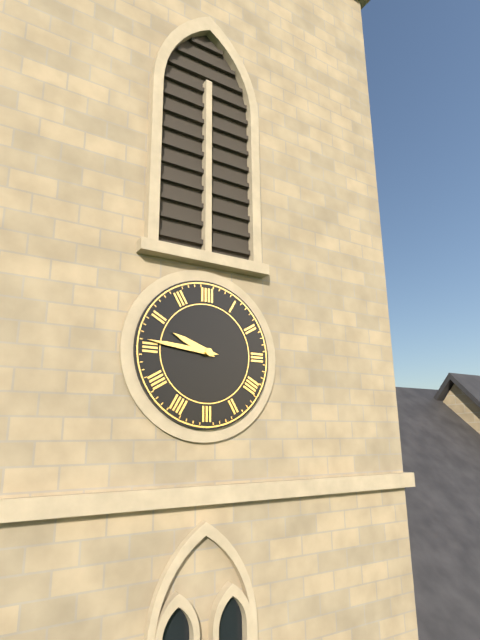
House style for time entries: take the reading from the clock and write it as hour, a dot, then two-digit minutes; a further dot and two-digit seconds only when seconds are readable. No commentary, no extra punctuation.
9.46
